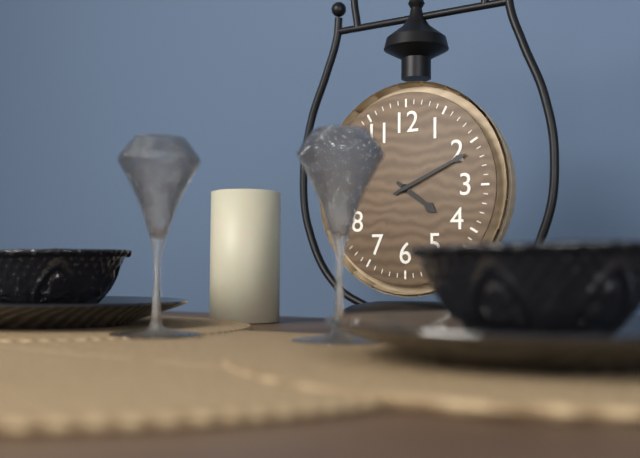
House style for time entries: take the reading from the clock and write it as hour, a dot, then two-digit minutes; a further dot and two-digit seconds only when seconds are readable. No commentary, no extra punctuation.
4.11
